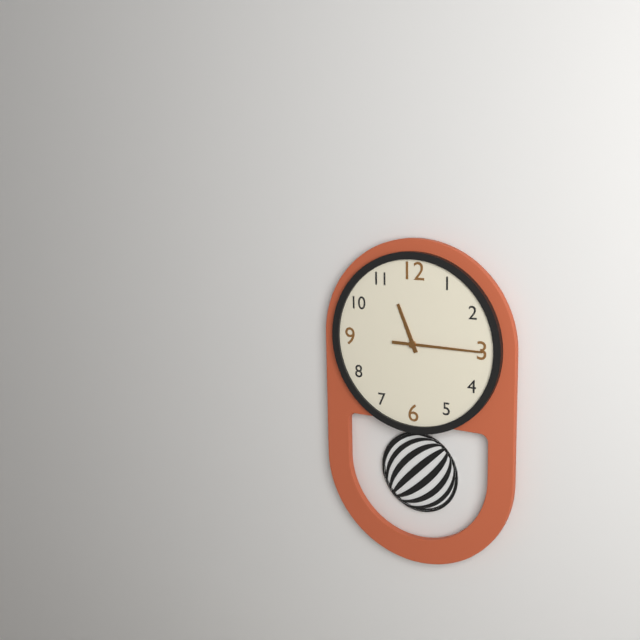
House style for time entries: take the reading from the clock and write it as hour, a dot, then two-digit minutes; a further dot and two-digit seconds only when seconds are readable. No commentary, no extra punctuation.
11.15
